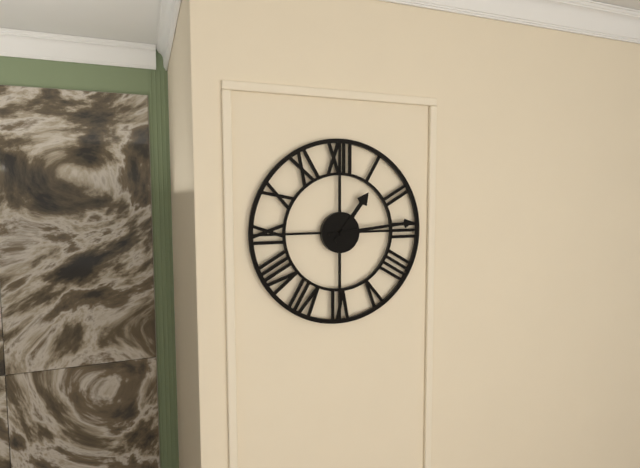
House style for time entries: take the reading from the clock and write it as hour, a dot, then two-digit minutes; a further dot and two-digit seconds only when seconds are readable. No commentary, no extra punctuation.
1.14
